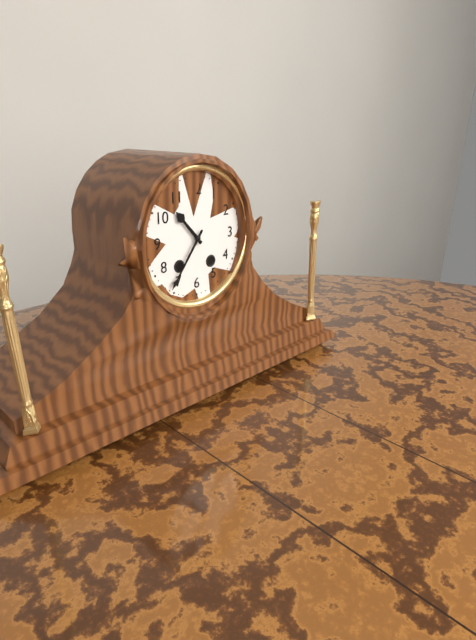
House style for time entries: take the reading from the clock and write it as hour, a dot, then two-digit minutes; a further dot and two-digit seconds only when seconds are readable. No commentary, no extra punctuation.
10.36
